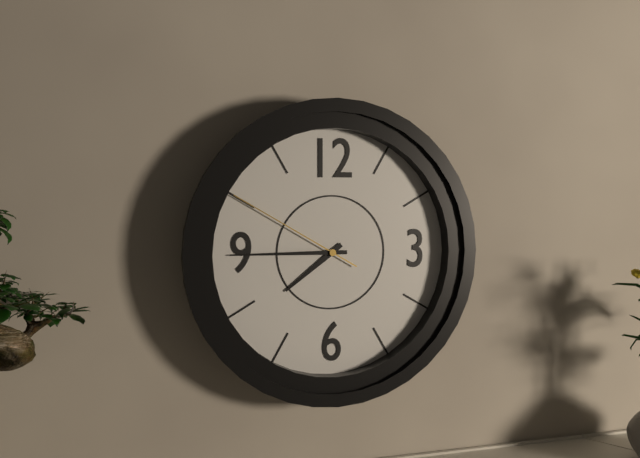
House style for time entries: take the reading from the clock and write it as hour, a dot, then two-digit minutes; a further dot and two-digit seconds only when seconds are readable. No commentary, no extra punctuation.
7.45.50
